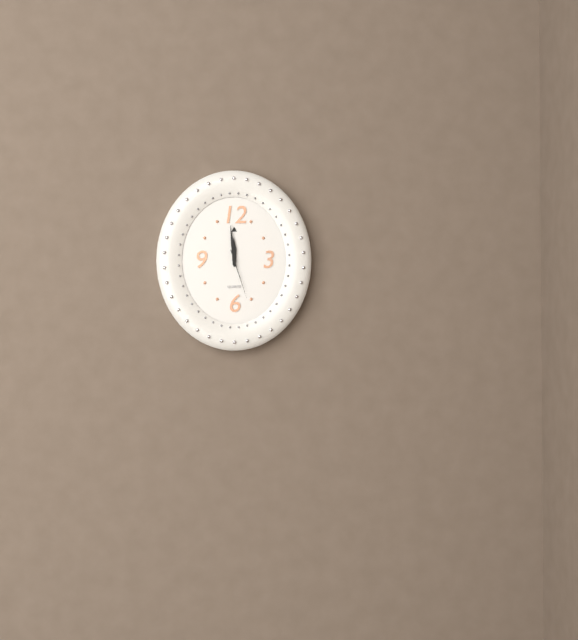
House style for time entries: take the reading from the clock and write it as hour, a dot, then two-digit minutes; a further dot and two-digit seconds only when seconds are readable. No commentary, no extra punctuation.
11.59.27
